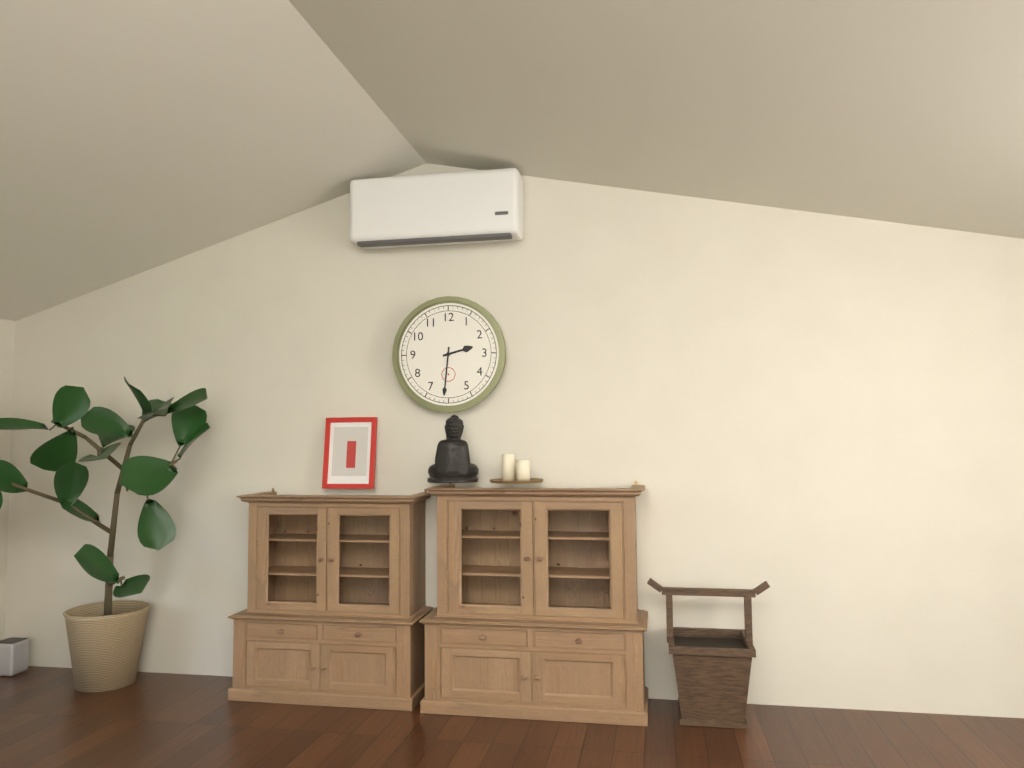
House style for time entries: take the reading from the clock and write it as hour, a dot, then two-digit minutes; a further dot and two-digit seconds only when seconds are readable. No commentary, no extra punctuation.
2.31
